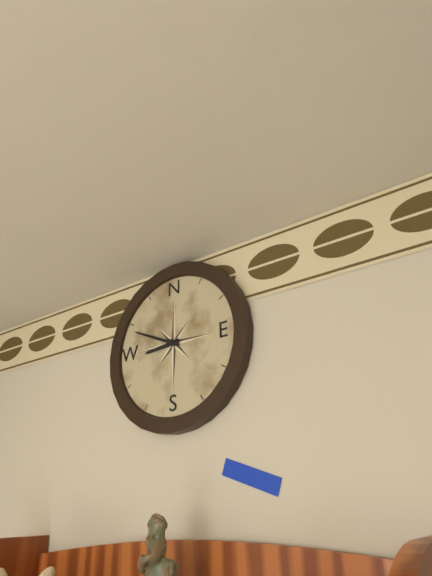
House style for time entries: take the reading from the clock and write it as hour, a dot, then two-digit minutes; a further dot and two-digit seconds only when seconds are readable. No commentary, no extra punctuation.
8.49
